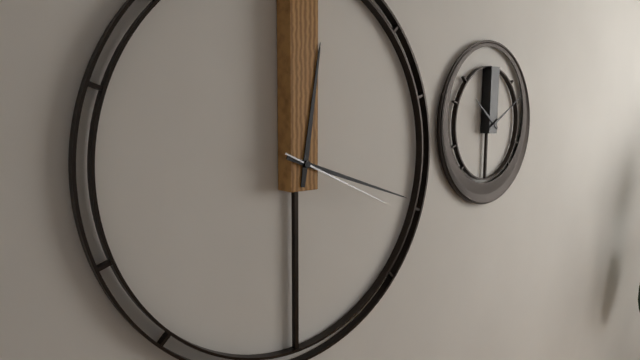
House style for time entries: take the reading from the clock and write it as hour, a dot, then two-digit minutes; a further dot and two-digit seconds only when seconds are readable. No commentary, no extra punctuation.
12.18.19
